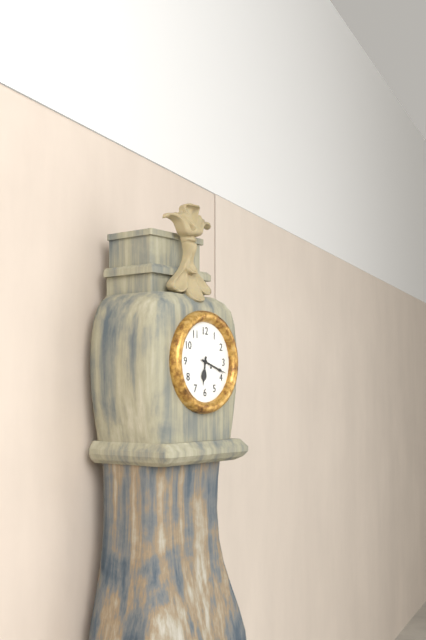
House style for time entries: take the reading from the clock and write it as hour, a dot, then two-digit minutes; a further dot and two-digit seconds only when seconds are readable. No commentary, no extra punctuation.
6.18
